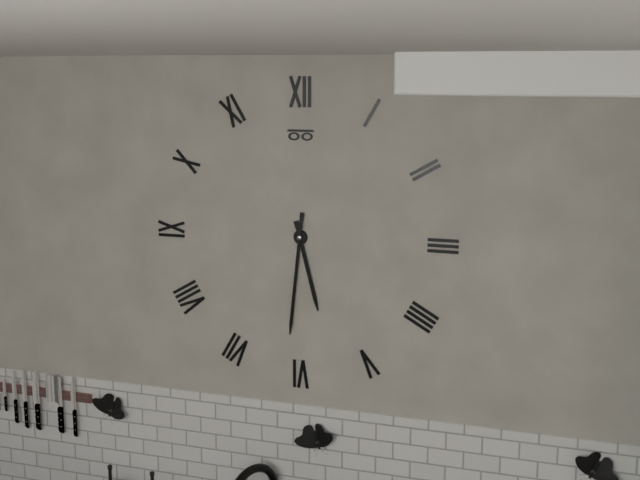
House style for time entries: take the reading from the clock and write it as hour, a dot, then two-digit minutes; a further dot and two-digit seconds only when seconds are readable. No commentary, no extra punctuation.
5.31
